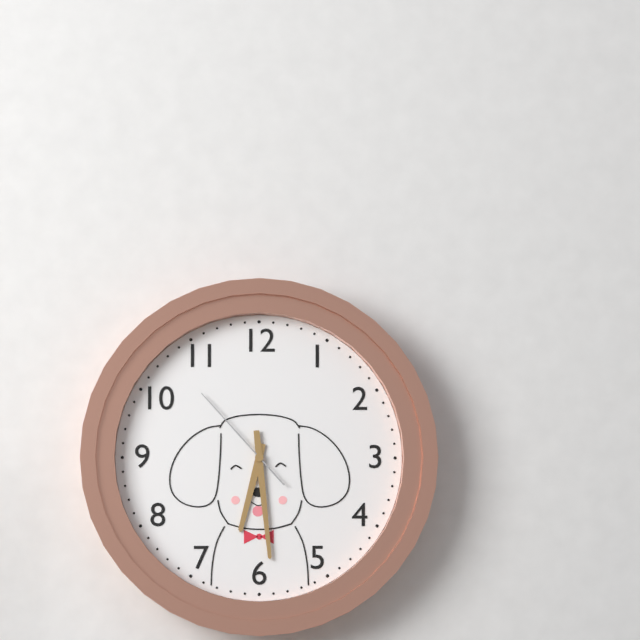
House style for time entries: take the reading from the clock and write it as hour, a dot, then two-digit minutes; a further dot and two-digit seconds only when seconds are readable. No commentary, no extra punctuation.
6.29.53
